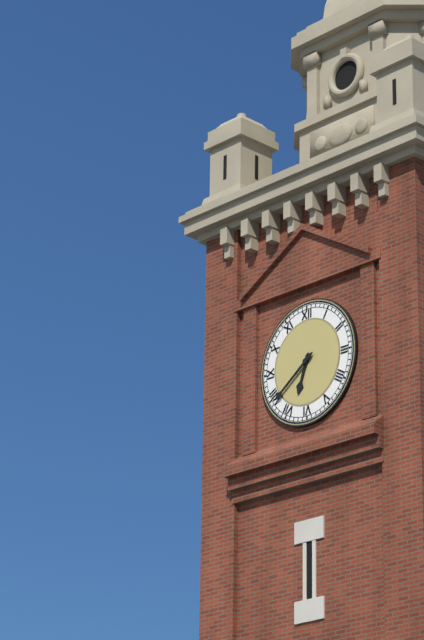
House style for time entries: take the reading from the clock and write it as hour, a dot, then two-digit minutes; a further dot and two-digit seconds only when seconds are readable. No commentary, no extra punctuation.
6.39
